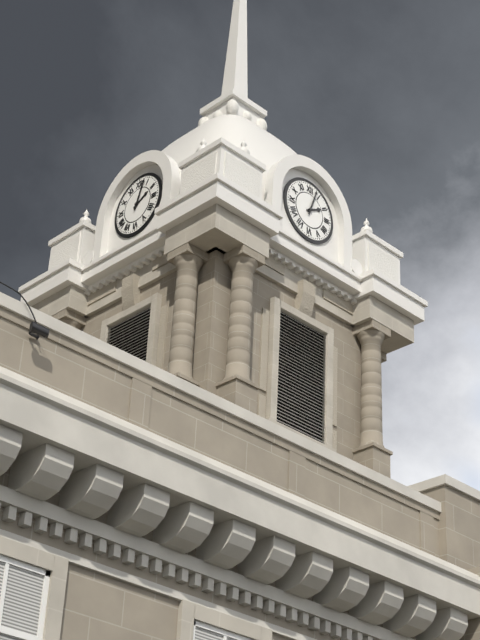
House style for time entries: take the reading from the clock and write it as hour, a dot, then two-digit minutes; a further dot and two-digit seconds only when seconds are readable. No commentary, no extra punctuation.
2.03
